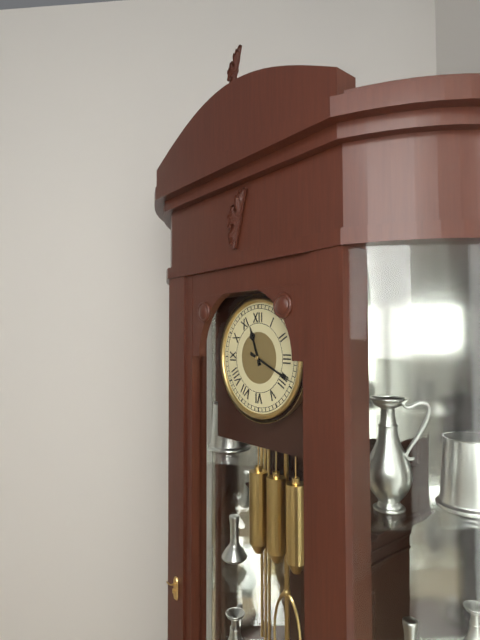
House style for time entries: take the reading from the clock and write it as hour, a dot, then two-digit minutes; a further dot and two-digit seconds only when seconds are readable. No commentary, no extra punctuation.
11.19
